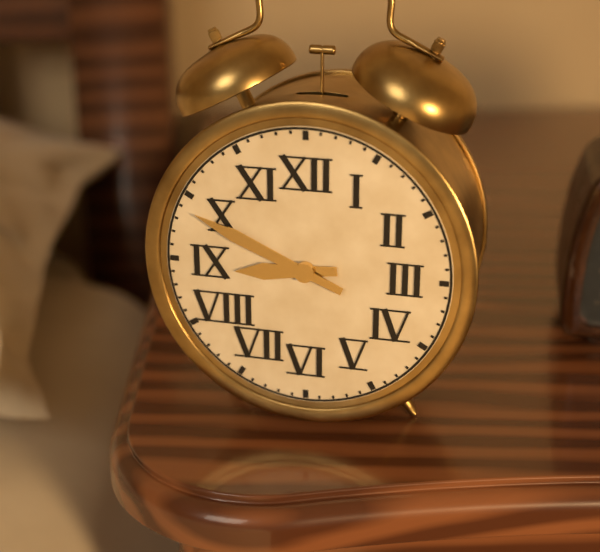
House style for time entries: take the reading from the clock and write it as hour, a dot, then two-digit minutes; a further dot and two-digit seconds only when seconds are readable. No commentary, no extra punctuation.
8.49
